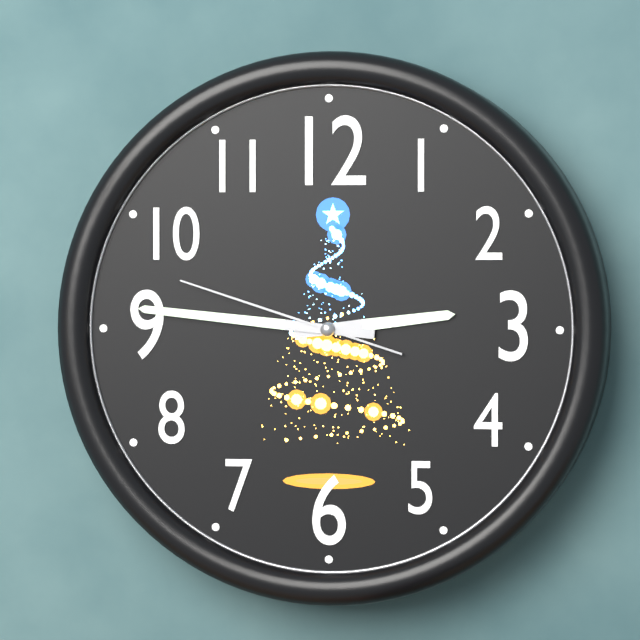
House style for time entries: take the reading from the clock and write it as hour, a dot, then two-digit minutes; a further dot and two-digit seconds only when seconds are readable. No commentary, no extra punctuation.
2.46.48
